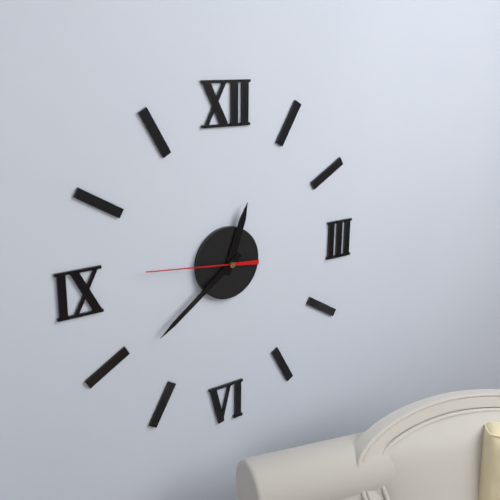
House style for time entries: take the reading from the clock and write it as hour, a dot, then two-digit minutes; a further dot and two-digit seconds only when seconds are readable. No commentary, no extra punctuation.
12.39.46
